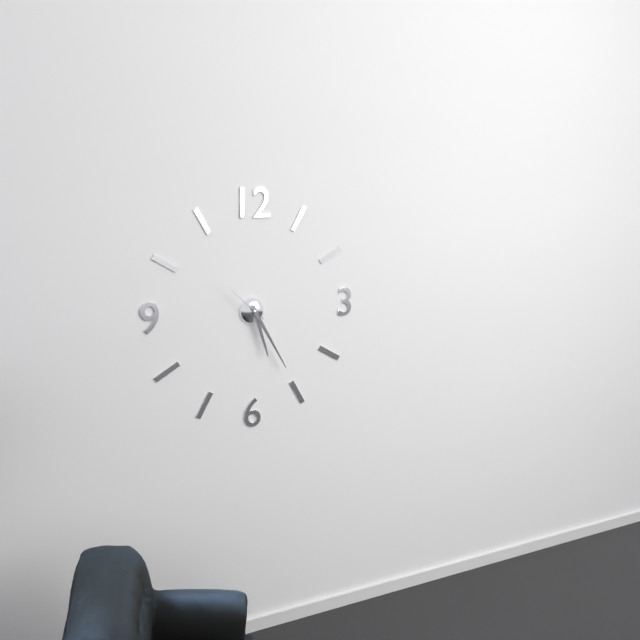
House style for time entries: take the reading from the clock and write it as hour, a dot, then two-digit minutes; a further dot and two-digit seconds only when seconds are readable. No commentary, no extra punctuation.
5.25.52
